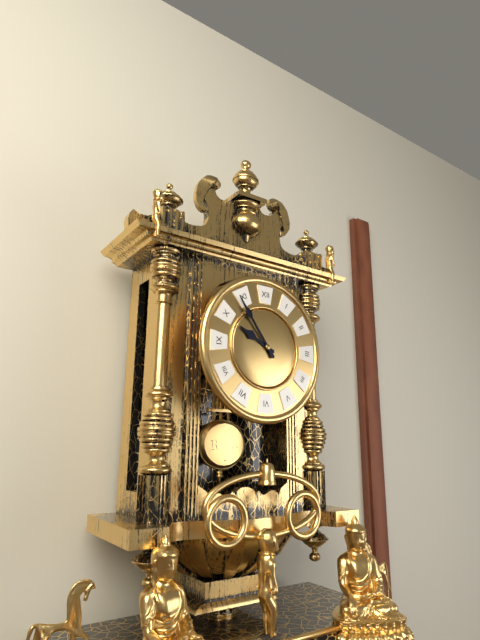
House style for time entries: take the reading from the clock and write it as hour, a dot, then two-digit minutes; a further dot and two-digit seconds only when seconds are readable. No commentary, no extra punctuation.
9.54
